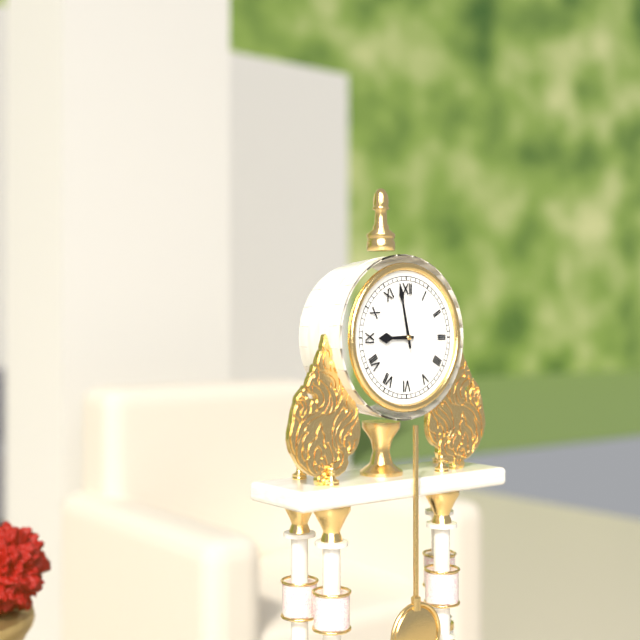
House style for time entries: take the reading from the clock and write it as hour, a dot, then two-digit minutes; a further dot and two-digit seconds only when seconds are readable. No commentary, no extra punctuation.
8.58
